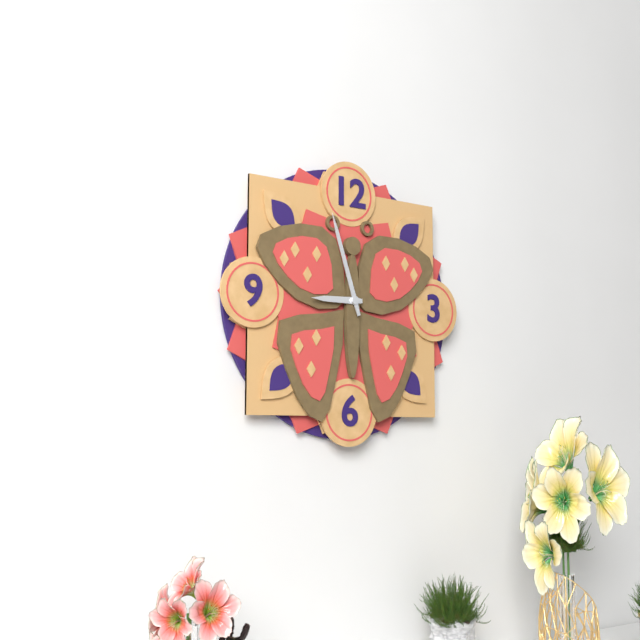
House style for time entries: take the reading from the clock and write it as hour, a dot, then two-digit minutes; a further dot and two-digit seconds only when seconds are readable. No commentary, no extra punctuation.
8.57
